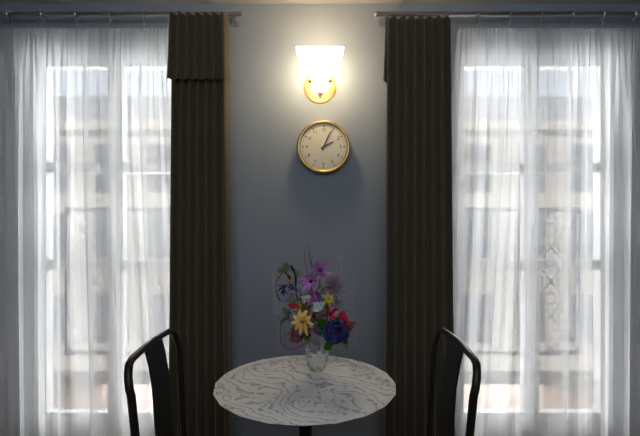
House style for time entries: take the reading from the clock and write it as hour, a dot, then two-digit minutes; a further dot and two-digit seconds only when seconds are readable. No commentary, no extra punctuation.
2.04
